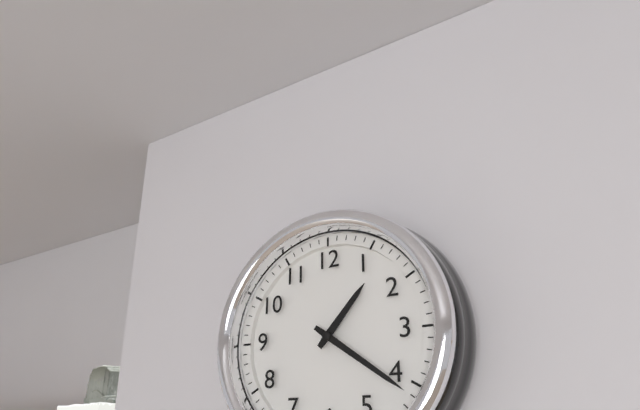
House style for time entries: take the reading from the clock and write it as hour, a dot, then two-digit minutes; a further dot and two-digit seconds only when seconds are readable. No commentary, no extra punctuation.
1.21
